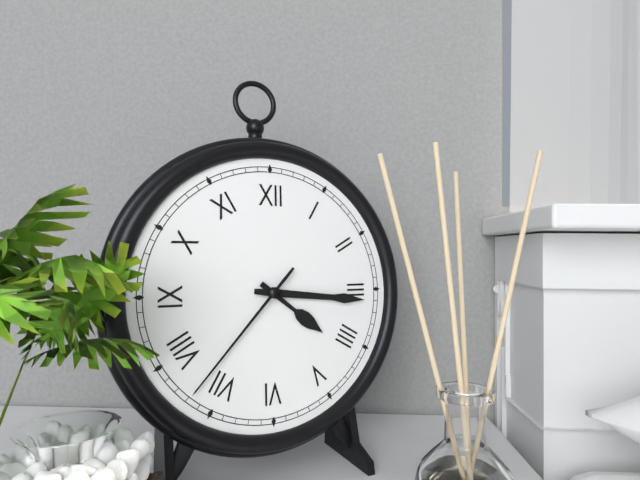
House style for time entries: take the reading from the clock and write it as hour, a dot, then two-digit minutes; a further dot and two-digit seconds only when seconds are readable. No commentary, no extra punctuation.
4.16.37
